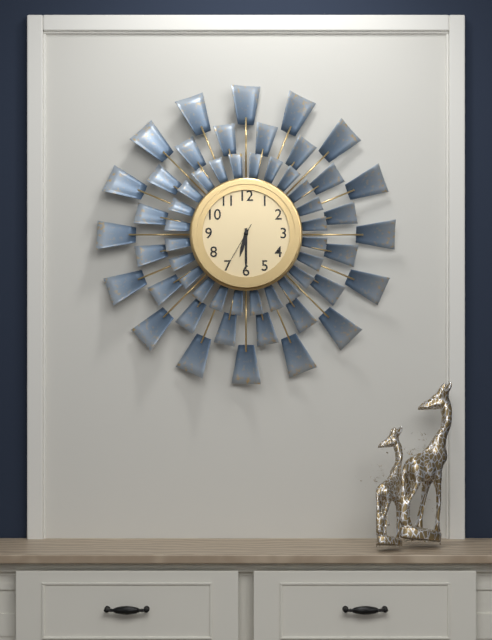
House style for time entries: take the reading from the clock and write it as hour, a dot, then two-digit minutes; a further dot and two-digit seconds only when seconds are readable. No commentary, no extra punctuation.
6.30.35
